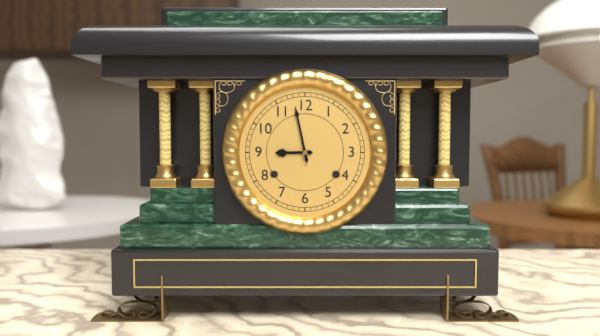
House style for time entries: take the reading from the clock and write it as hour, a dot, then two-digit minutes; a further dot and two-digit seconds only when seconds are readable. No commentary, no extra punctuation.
8.58
